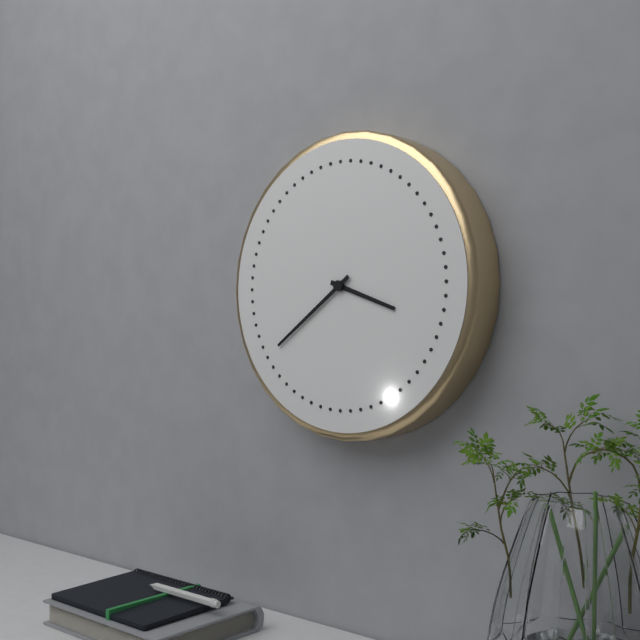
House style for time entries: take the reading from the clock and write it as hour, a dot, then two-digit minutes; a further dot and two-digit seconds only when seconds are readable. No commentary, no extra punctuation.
3.39
